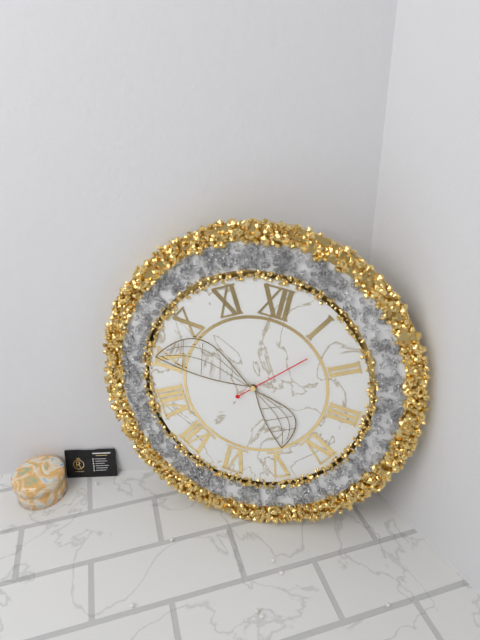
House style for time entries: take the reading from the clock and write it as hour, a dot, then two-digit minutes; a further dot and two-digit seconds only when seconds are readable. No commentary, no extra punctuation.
4.45.07
